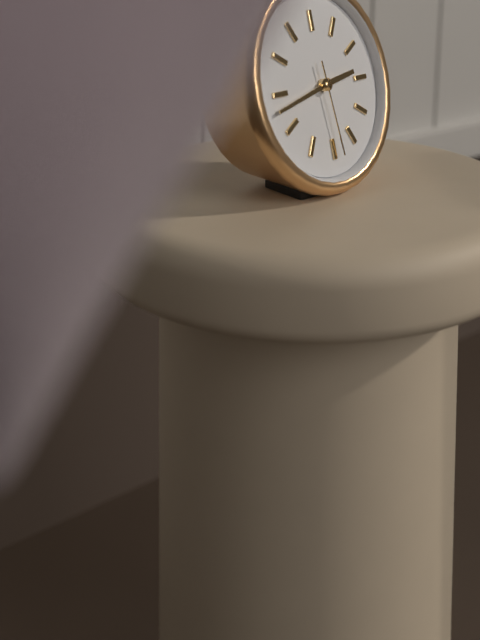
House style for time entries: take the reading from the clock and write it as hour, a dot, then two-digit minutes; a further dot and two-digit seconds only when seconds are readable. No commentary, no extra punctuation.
2.43.29
